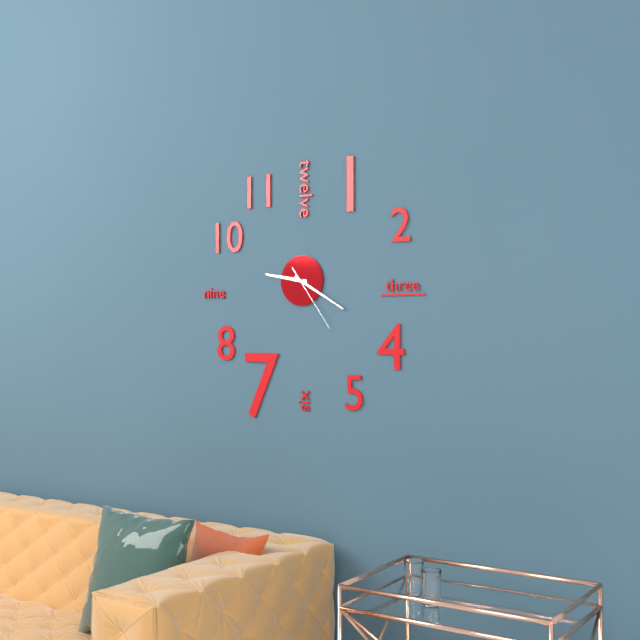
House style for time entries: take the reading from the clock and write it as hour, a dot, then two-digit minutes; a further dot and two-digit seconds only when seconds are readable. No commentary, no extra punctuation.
9.20.24
